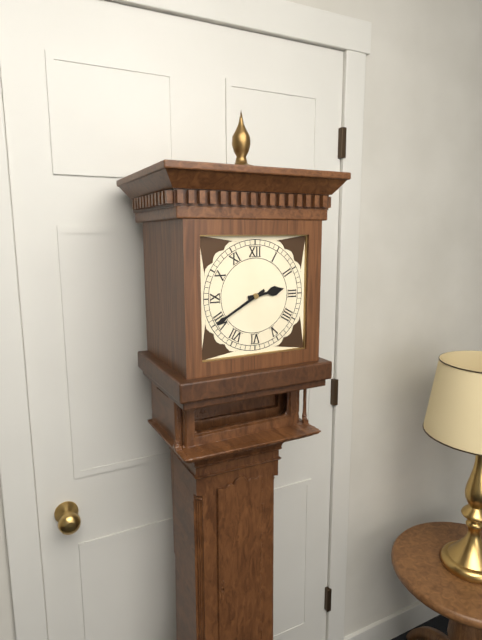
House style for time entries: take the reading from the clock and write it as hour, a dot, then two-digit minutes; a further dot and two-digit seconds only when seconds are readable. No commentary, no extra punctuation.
2.40
